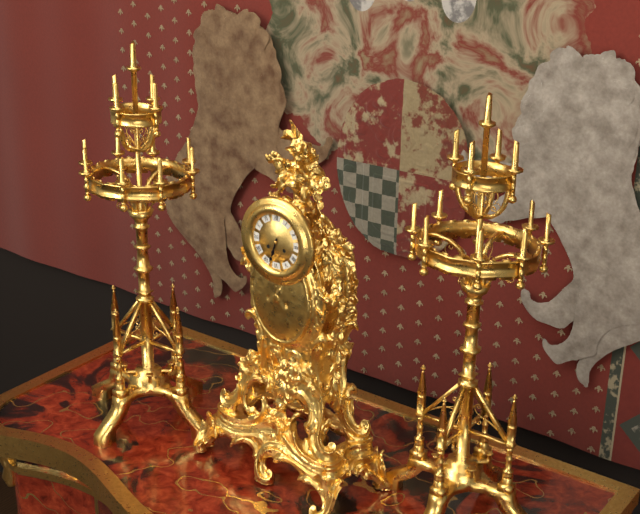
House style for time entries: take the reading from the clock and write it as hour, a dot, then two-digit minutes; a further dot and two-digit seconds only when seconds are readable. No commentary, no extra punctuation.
6.33
